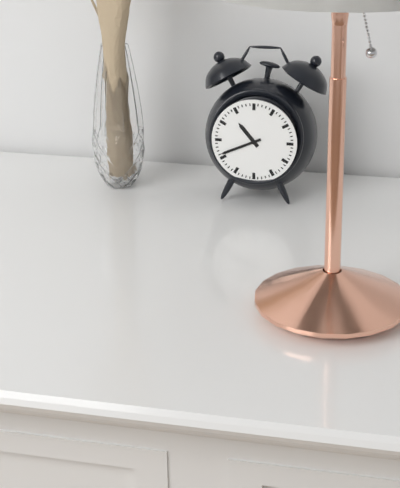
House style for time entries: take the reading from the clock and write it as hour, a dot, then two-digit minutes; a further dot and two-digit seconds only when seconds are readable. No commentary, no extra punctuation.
10.41
